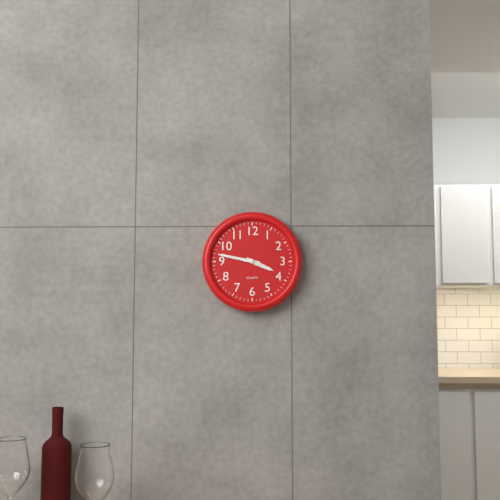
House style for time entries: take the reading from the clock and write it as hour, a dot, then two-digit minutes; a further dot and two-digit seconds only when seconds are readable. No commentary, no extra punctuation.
3.47
